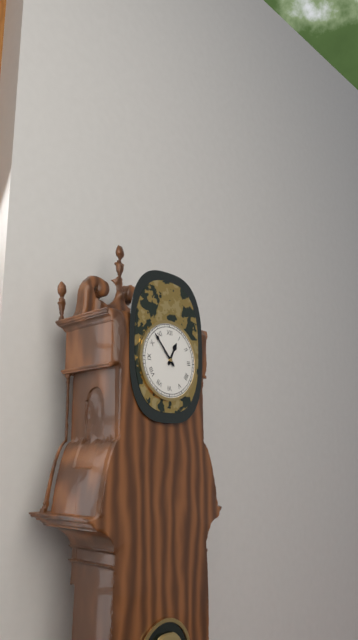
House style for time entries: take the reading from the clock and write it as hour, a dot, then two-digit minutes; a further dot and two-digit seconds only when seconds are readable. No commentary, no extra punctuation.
12.53
